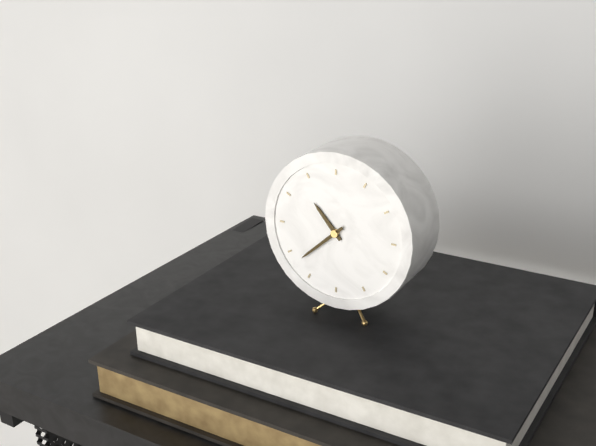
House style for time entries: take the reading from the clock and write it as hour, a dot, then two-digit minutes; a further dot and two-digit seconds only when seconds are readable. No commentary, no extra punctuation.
10.38
